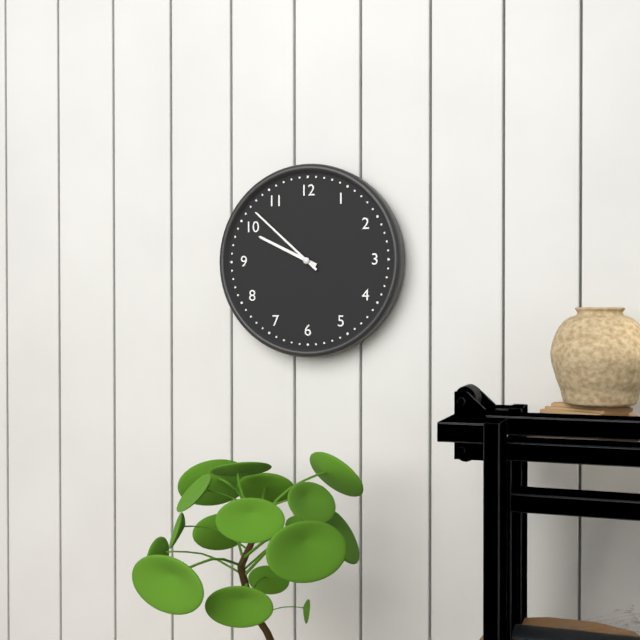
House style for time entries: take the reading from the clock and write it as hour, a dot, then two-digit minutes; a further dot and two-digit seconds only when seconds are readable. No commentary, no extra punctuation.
9.52
